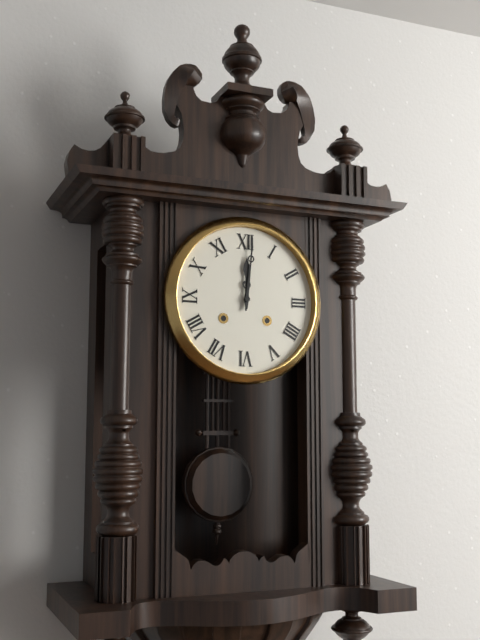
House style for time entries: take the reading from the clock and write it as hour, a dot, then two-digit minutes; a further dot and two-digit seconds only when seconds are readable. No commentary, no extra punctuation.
12.01
